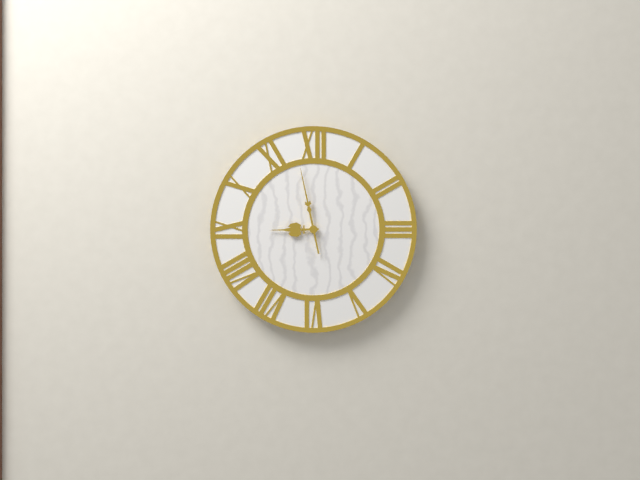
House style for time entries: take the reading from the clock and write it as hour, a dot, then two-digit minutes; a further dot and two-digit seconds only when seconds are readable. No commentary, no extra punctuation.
8.58
